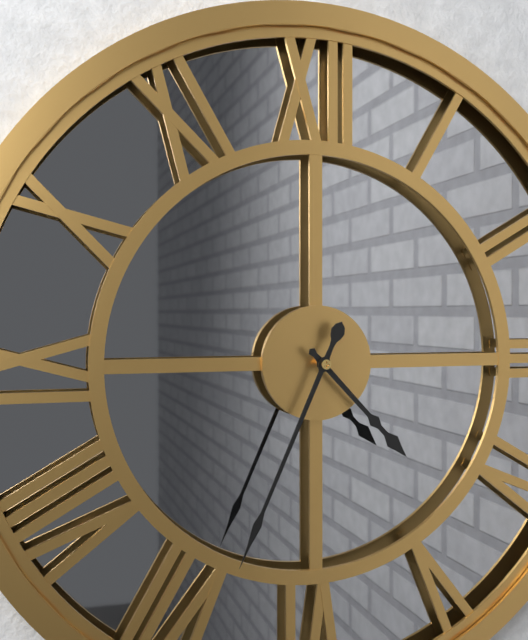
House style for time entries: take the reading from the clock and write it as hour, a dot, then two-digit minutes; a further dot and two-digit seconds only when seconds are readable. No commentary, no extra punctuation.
4.34
